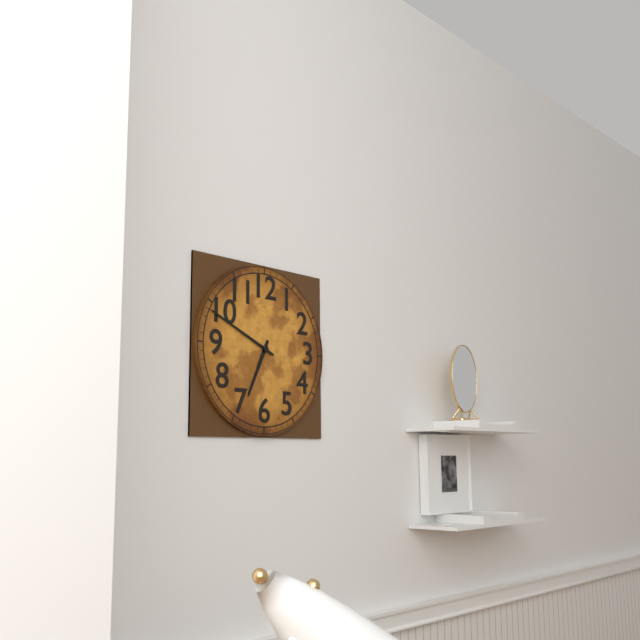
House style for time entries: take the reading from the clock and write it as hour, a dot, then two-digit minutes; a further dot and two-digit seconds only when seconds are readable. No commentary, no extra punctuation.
6.49
